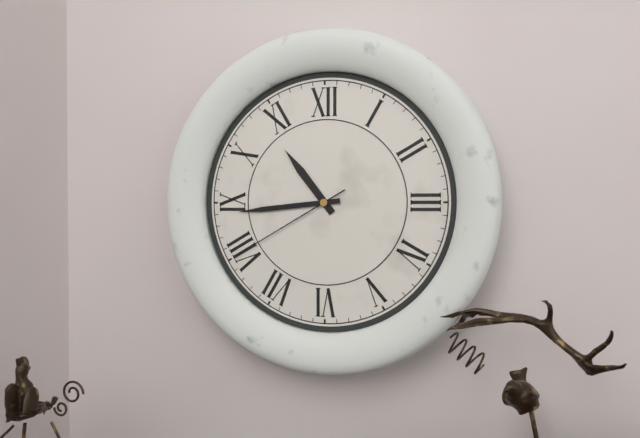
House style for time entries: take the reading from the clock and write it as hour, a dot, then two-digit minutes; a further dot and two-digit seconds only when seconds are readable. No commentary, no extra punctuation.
10.44.40
